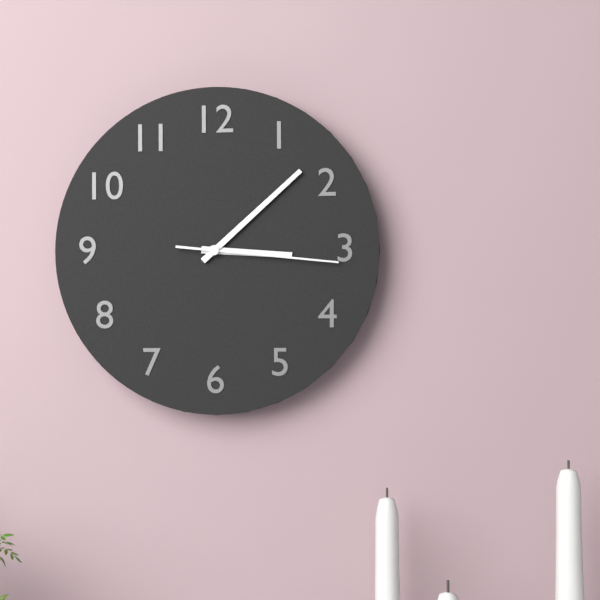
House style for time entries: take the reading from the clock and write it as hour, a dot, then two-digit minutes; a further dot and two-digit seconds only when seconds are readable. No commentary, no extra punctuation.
3.08.16
